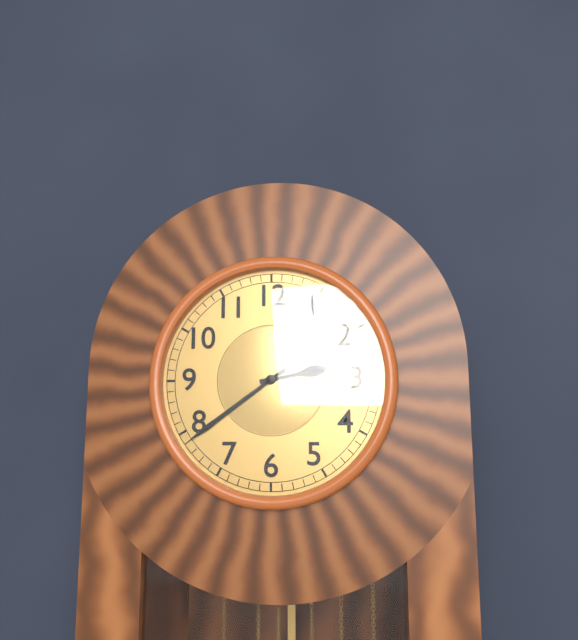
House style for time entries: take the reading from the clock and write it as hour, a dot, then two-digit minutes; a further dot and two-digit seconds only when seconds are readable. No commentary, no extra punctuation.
2.39
